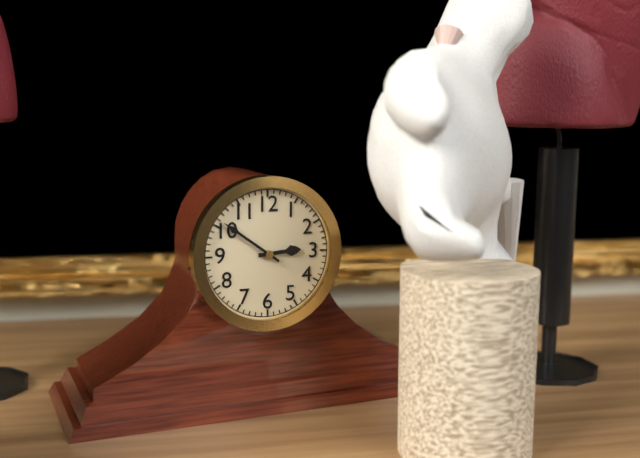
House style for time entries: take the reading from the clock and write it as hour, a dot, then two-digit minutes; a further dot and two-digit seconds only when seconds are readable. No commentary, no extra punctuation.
2.51
